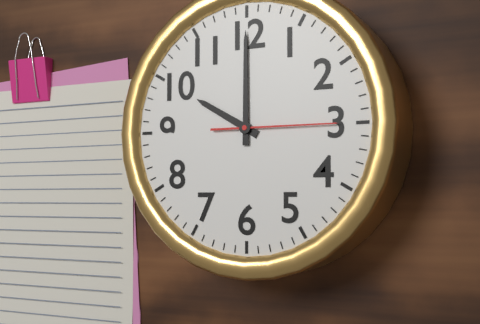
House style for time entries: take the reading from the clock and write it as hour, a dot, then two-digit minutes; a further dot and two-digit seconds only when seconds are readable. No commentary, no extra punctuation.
10.00.15
